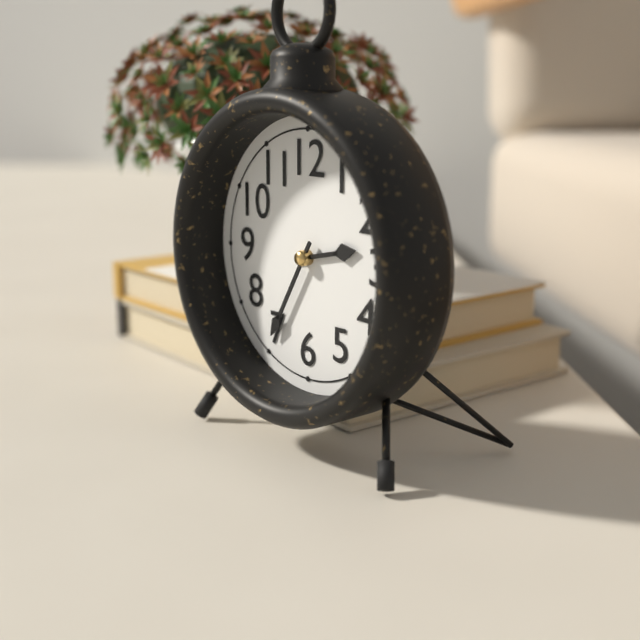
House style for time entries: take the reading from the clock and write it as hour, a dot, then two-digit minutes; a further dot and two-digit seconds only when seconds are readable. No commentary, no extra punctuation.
2.35
